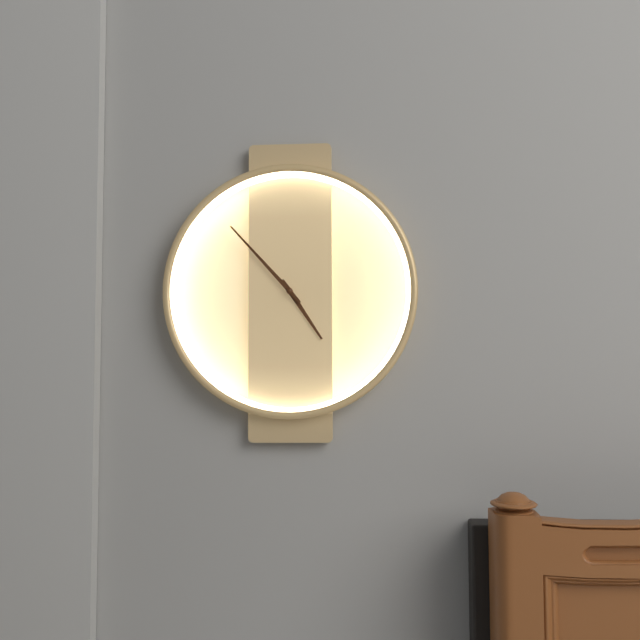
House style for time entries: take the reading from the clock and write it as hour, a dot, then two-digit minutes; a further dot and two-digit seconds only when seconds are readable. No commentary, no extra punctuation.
4.53
